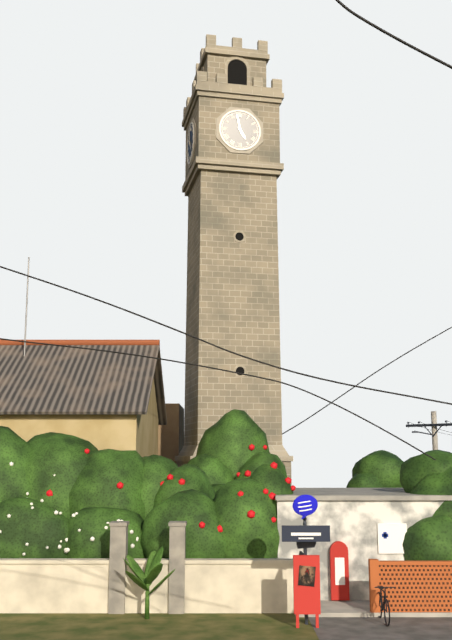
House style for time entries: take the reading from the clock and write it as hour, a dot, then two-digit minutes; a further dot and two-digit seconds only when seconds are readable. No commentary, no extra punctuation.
4.58
